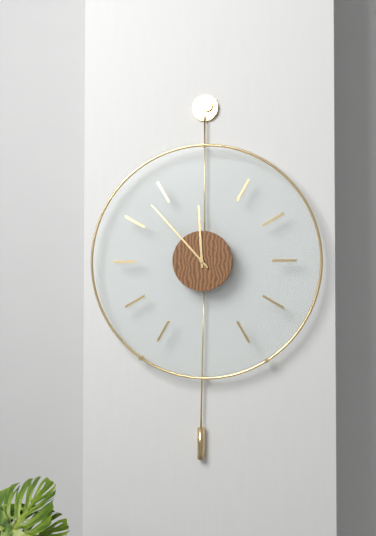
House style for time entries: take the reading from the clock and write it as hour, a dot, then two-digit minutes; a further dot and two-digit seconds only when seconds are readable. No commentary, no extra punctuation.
11.53
